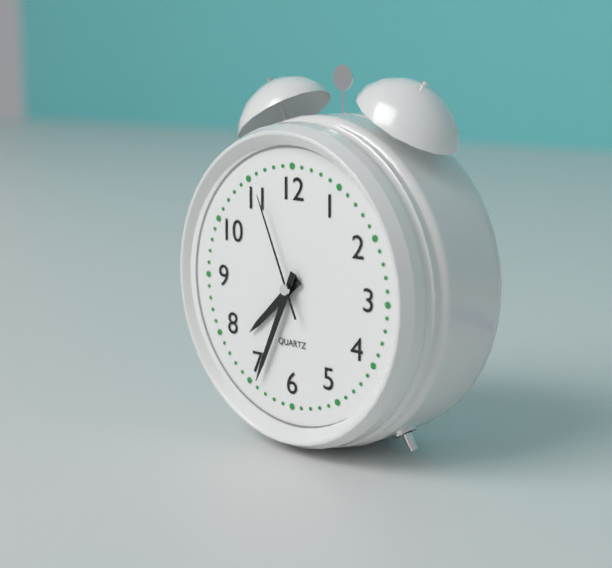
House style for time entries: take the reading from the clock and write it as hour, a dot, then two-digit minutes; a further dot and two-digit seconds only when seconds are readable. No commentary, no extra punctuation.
7.34.56
